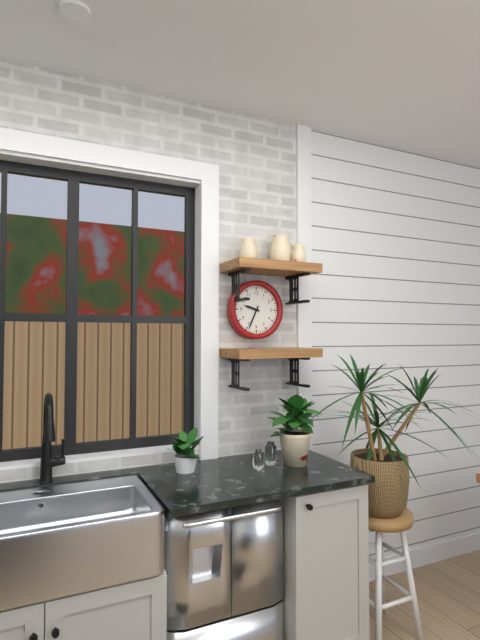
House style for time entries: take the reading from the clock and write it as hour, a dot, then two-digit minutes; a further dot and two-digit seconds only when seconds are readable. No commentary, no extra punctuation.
9.34
